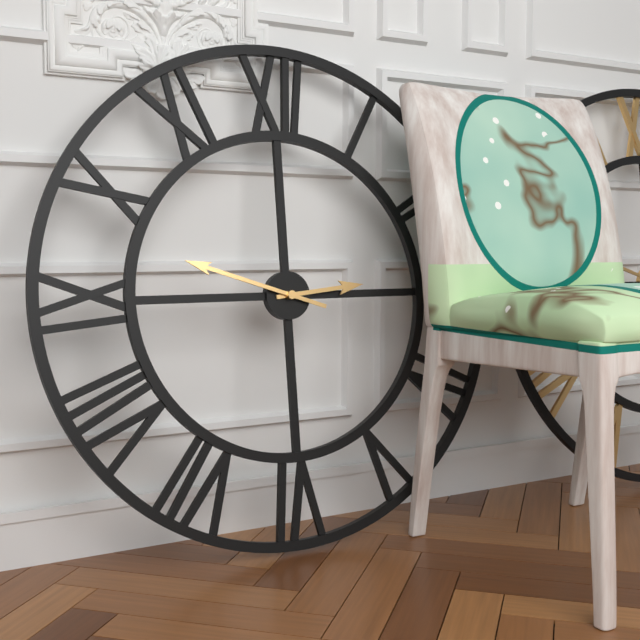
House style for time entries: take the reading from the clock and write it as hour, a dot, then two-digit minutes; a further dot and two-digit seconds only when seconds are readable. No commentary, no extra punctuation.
2.48
